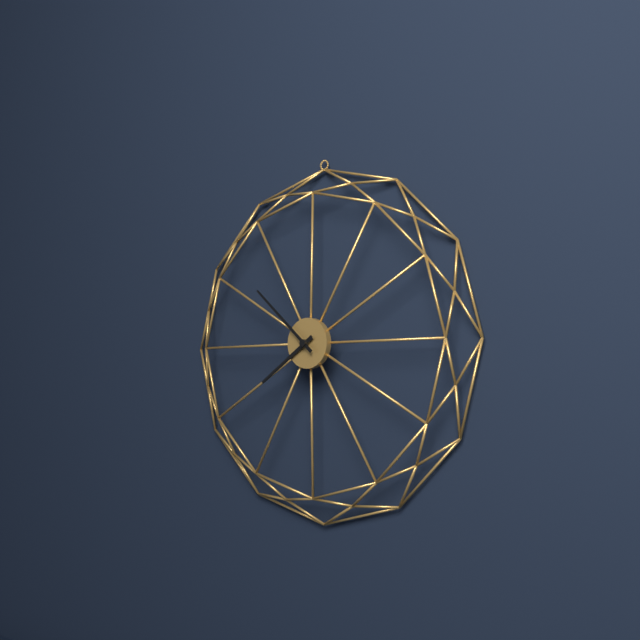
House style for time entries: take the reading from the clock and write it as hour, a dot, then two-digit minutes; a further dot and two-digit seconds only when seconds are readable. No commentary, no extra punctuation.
7.52
